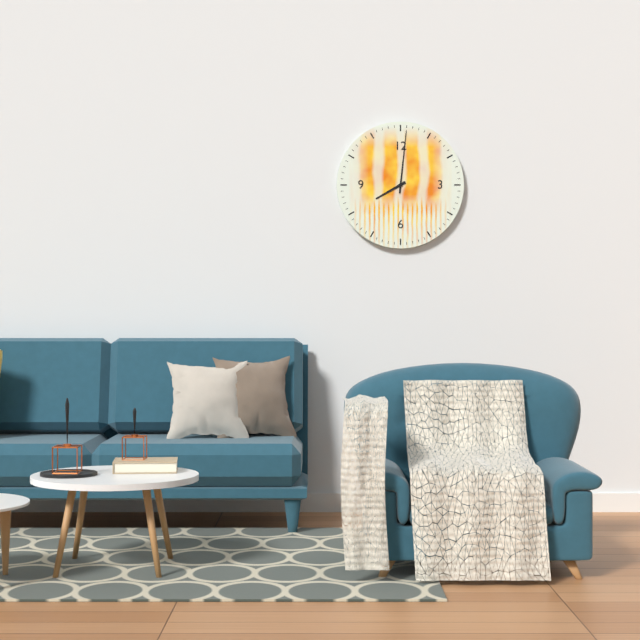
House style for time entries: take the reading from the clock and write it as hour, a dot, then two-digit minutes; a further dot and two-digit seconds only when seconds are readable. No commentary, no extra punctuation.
8.01
